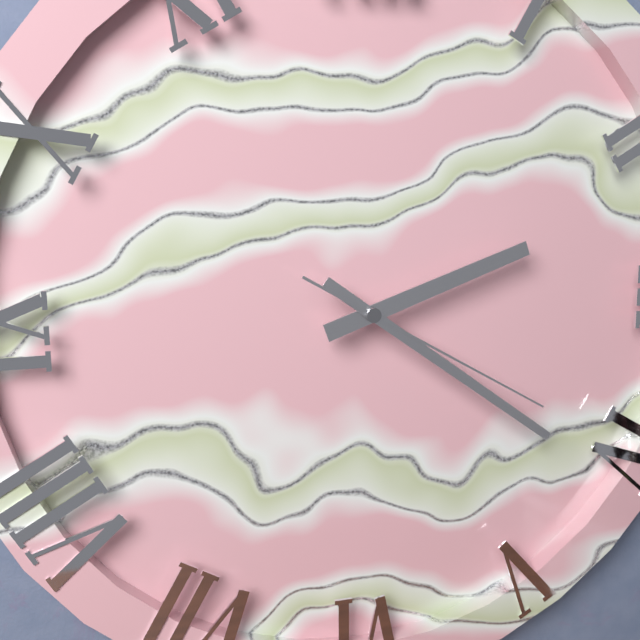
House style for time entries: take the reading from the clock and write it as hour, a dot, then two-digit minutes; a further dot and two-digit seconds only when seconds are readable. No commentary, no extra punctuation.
2.21.20
